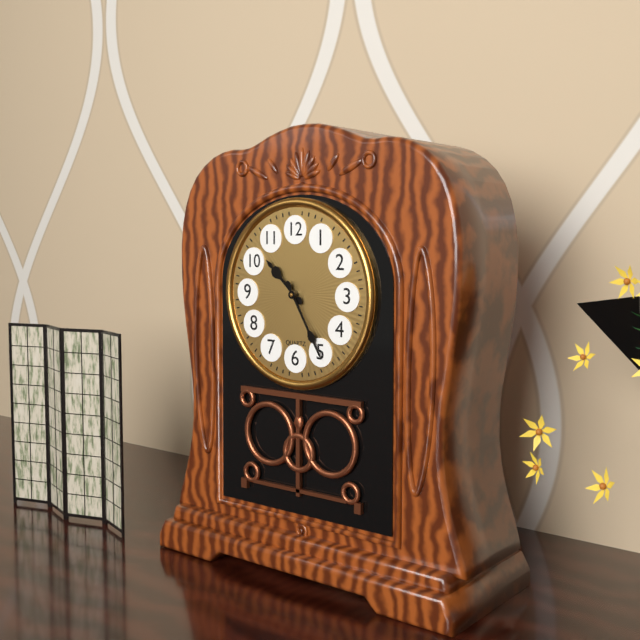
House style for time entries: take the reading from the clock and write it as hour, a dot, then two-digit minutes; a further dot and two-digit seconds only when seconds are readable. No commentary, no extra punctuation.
10.25
